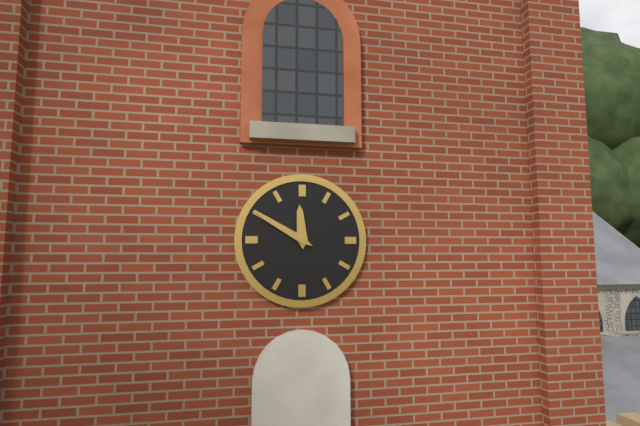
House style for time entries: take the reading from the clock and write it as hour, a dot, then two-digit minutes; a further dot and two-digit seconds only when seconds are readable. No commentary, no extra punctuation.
11.50
